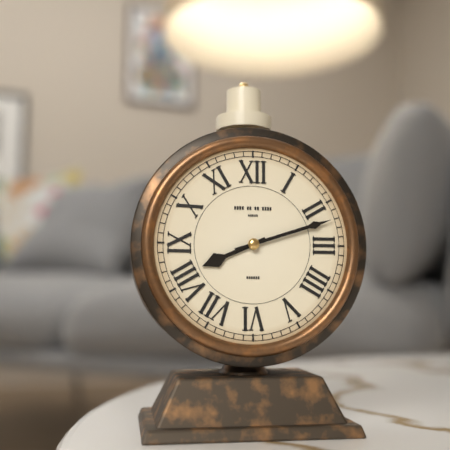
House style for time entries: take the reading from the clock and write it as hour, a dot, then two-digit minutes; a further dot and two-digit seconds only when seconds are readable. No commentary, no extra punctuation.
8.12
